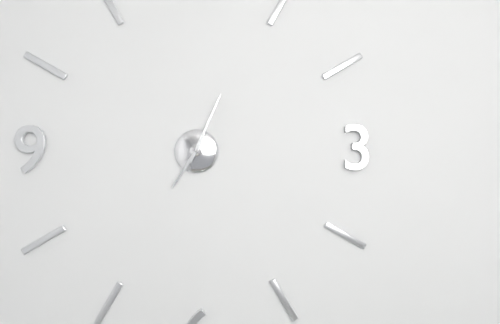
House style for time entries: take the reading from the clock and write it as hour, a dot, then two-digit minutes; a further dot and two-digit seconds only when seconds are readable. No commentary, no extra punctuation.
7.04
